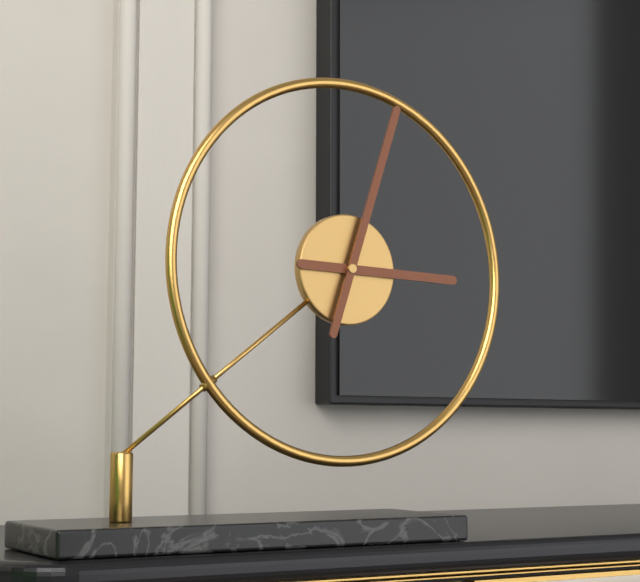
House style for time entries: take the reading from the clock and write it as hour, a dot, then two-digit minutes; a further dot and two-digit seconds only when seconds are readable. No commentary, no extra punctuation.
3.03
